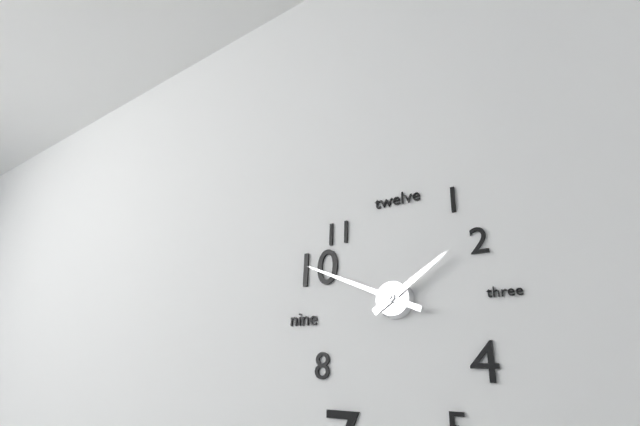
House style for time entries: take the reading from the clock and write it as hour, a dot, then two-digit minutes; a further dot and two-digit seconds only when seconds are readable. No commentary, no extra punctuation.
1.49
